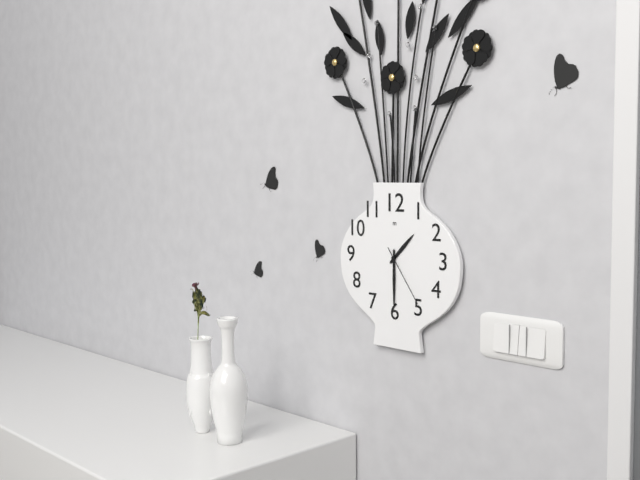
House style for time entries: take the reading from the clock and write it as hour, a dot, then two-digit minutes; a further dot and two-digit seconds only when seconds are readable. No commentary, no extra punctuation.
1.30.24
